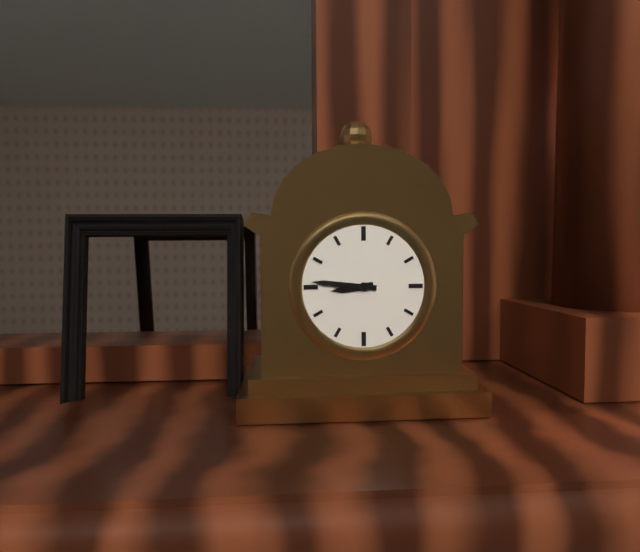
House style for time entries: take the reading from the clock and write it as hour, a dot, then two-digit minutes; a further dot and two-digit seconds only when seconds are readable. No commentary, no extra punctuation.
8.46
